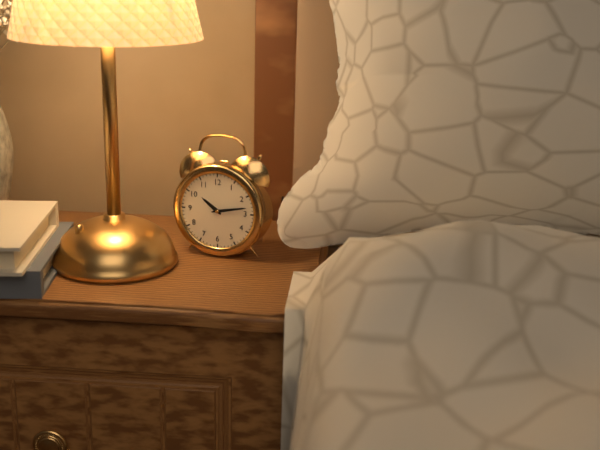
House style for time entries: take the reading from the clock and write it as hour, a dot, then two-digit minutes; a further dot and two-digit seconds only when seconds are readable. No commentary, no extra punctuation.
10.13
